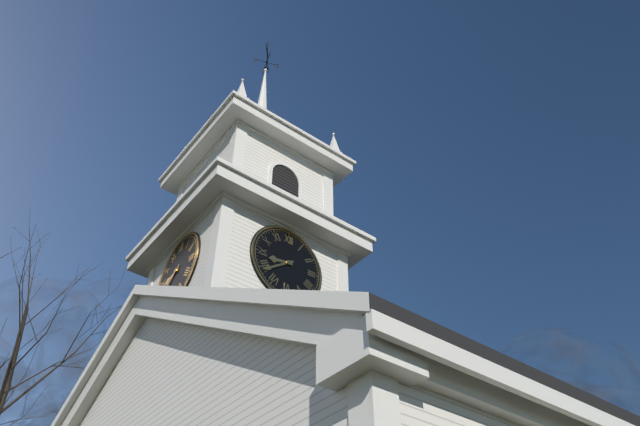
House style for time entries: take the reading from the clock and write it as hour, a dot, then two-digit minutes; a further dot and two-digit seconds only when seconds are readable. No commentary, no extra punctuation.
8.39
